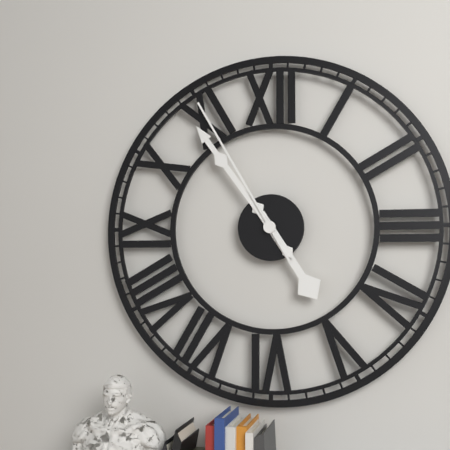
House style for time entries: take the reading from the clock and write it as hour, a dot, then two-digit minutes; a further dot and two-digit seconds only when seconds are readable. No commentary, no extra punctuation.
4.54.55
